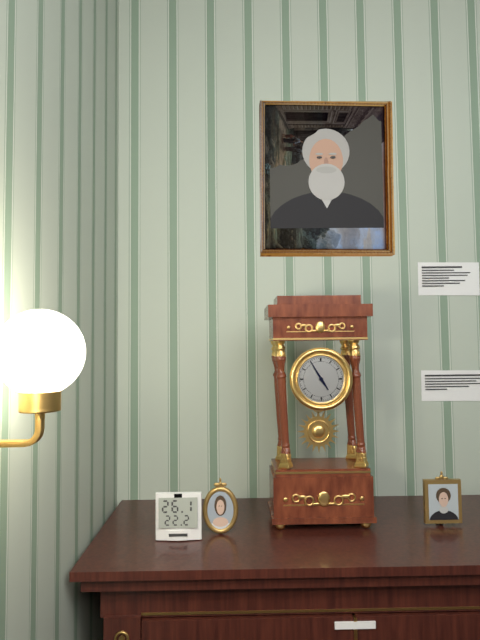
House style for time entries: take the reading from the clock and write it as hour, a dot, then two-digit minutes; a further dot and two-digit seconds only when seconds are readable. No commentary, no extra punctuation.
4.55
